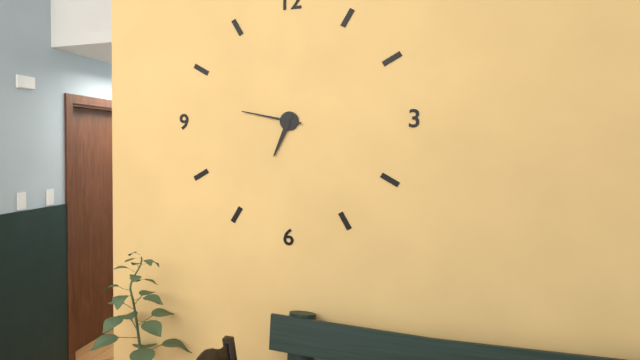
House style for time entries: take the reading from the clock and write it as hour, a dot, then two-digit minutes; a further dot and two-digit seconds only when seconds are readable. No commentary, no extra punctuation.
6.47
